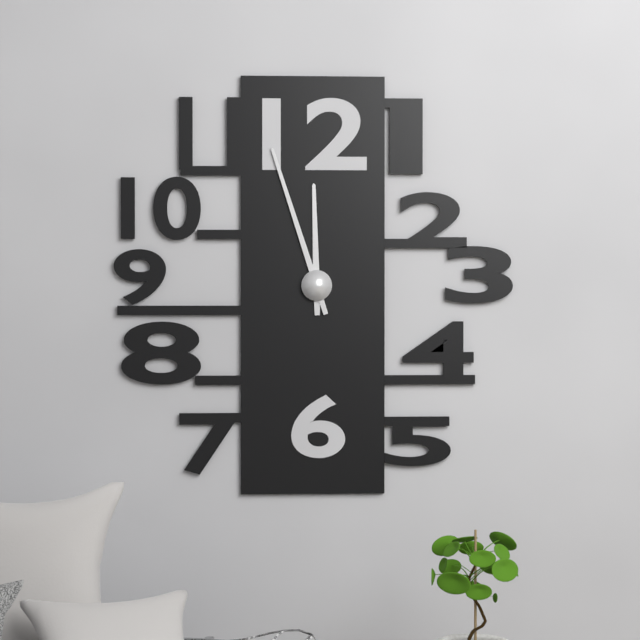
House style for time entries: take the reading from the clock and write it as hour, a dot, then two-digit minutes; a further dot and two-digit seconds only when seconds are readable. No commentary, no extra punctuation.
11.57
